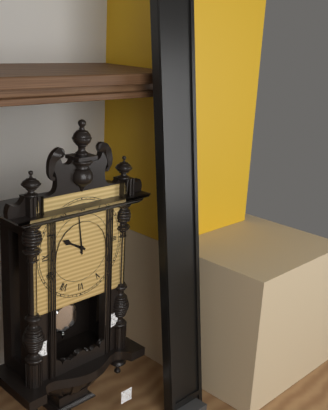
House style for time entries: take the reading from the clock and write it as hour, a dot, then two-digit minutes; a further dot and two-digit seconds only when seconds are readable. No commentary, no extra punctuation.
9.59
